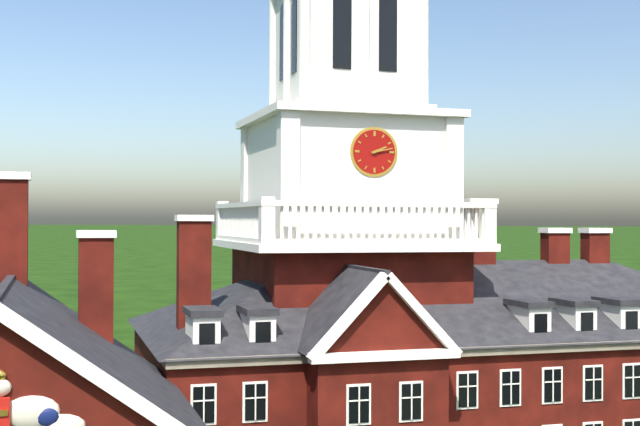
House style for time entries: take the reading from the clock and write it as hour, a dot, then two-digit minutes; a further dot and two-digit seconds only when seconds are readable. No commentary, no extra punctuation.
2.13
